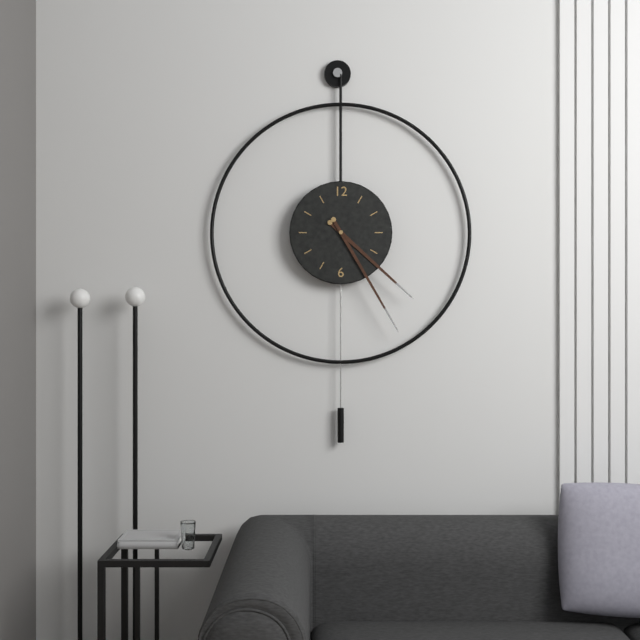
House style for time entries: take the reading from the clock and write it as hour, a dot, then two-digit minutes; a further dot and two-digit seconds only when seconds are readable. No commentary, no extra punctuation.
4.25
